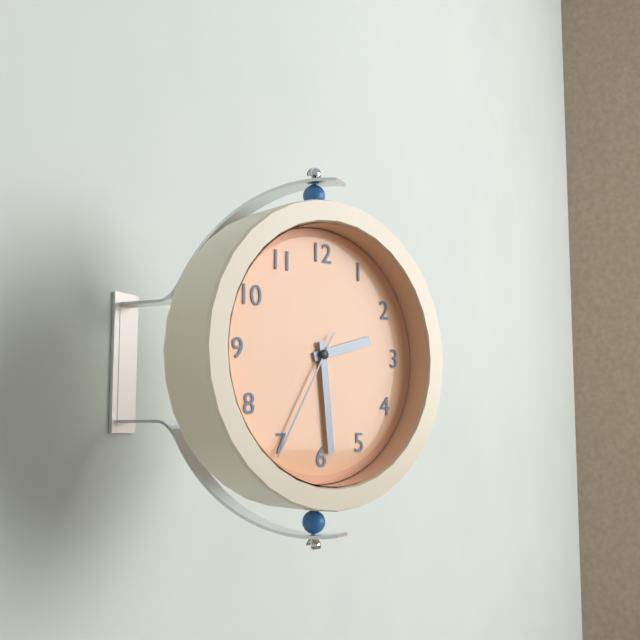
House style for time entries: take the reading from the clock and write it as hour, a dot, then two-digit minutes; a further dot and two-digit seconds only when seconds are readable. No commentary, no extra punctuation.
2.29.35
